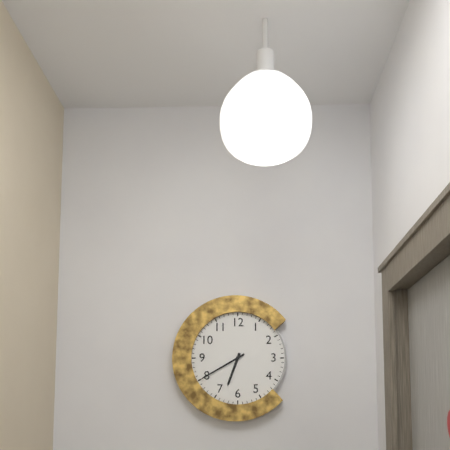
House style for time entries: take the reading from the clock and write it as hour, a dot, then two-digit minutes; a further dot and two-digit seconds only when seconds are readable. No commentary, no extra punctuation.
6.40
